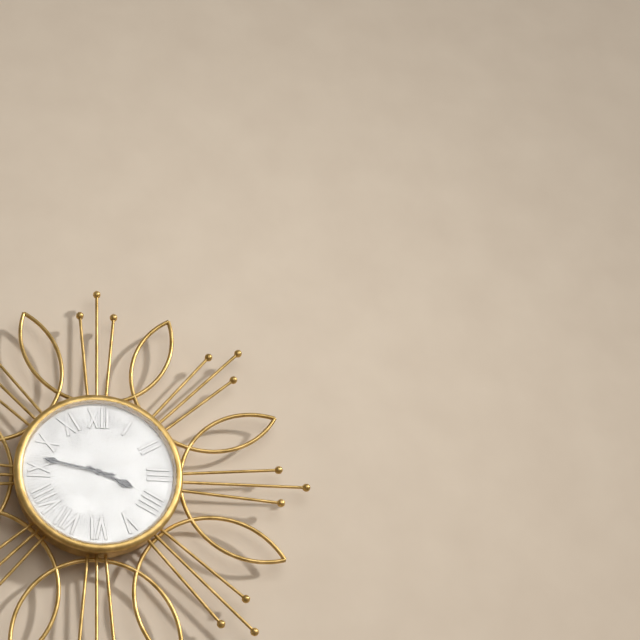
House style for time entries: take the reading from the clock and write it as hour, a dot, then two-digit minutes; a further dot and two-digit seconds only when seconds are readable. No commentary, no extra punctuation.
3.47
